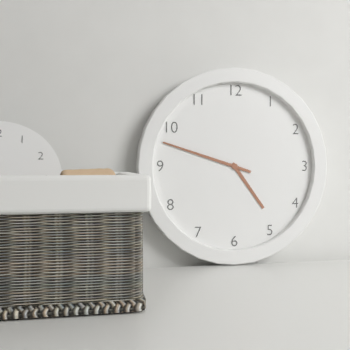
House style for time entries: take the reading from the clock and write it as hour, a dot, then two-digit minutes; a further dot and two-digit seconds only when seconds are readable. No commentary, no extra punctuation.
4.48
